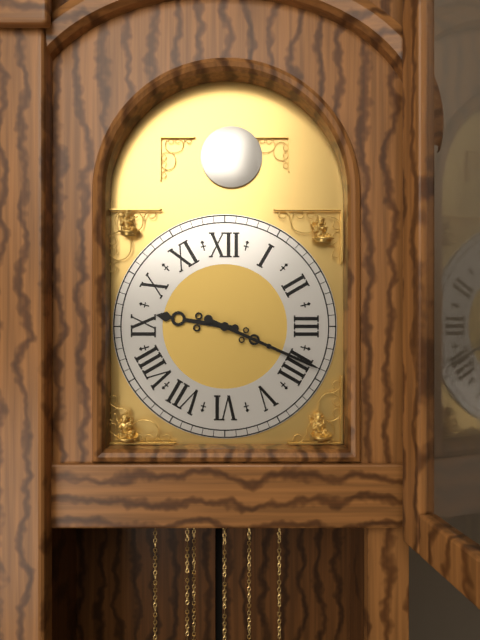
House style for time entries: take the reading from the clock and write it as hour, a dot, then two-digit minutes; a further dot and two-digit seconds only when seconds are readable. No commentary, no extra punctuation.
9.19
